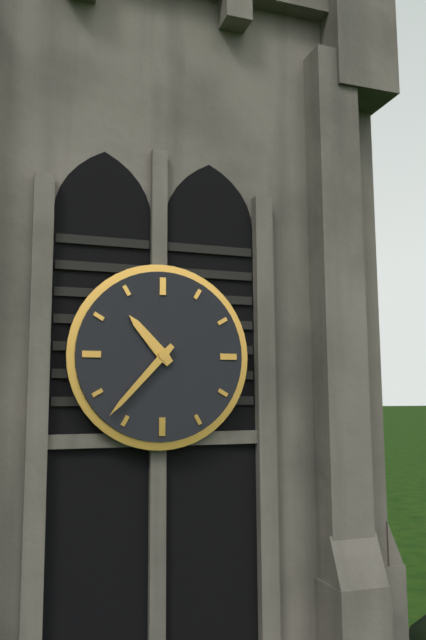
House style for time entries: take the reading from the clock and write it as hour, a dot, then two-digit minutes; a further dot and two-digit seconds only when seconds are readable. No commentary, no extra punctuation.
10.37
